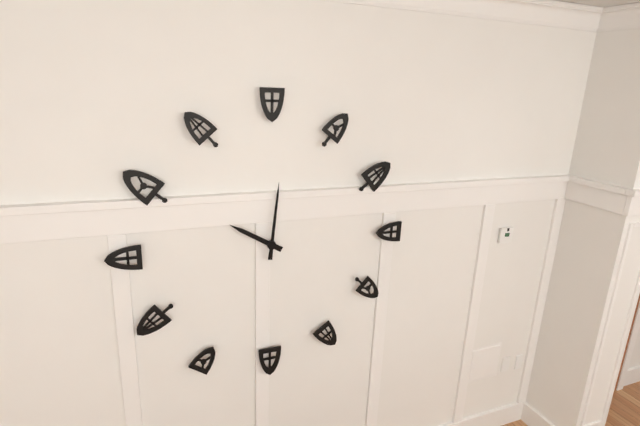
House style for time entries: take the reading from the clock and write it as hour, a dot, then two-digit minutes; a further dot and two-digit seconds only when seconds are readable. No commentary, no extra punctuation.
10.01
